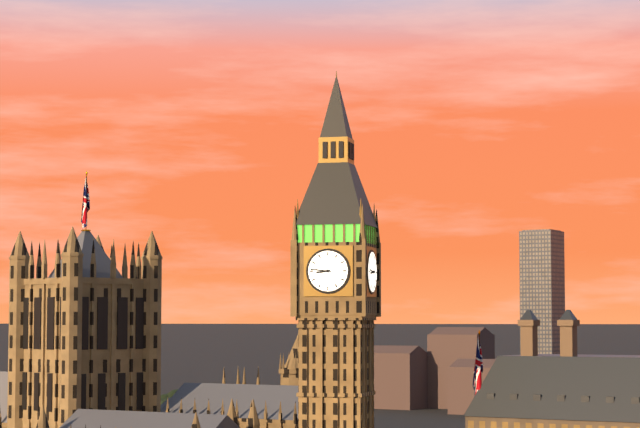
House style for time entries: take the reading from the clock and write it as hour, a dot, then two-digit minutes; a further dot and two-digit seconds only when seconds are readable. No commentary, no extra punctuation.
8.46
